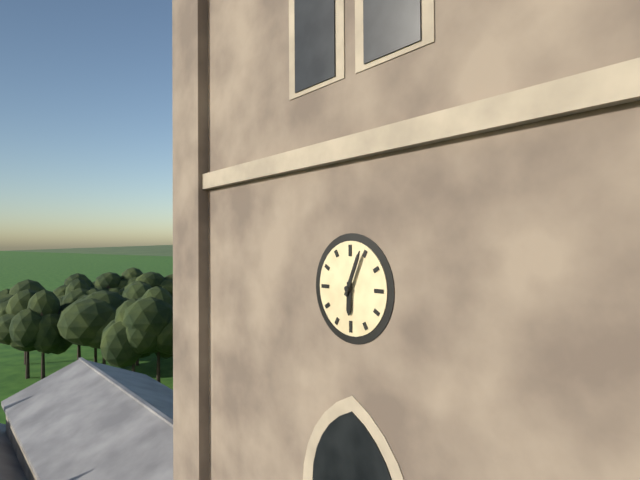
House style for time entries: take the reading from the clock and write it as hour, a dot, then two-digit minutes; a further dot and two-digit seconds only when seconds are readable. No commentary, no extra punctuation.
6.04
